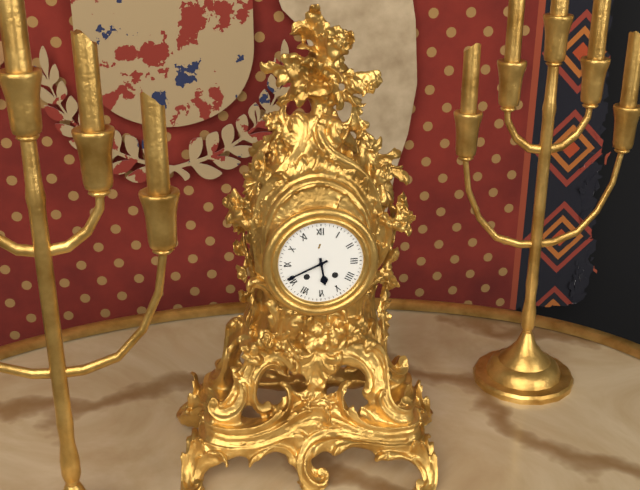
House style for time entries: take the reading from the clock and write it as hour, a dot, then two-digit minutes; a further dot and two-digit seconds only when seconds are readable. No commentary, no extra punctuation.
5.41
